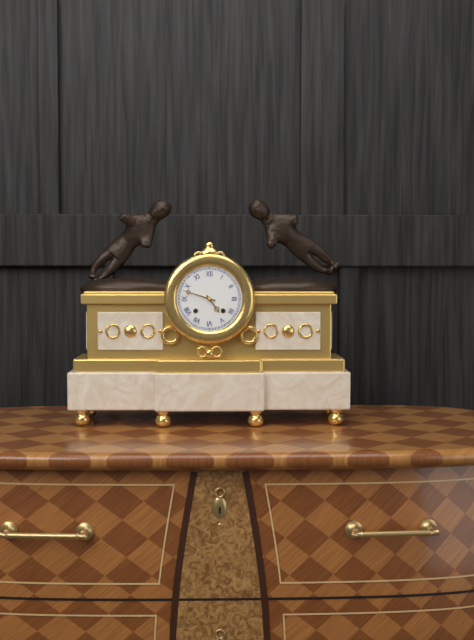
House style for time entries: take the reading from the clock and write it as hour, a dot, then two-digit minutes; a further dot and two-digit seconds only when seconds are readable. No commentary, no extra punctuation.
4.48
